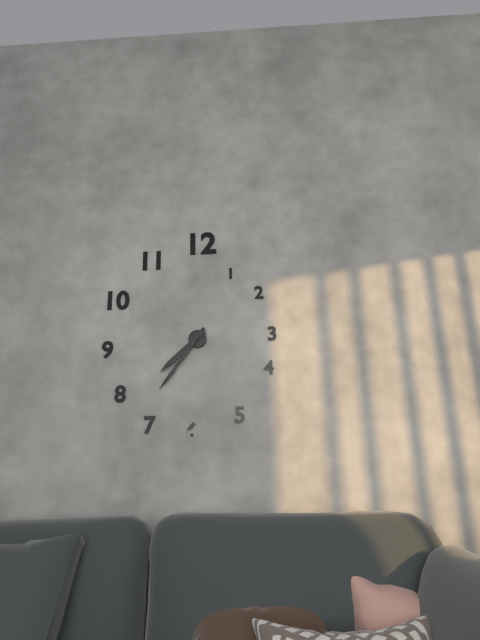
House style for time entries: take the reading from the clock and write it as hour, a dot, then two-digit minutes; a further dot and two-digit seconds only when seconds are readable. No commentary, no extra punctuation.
7.36
